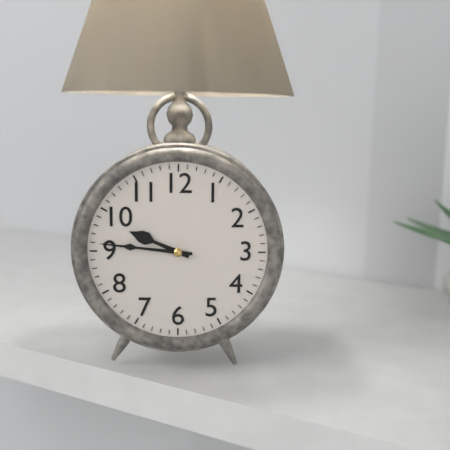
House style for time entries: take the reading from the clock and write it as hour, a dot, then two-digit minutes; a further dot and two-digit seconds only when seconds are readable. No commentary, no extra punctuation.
9.46
